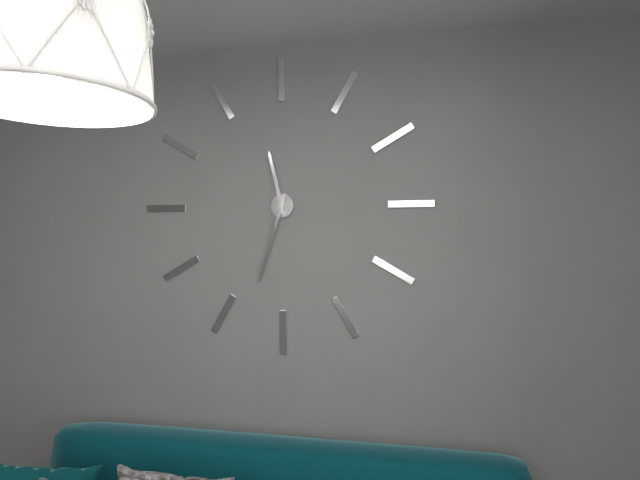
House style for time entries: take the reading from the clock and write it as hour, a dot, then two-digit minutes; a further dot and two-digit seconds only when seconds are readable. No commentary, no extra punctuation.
11.33
